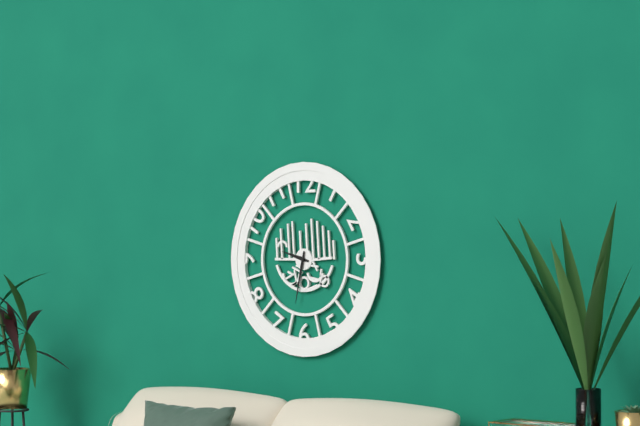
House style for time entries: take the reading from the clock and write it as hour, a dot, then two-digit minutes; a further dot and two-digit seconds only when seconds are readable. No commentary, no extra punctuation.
9.32
